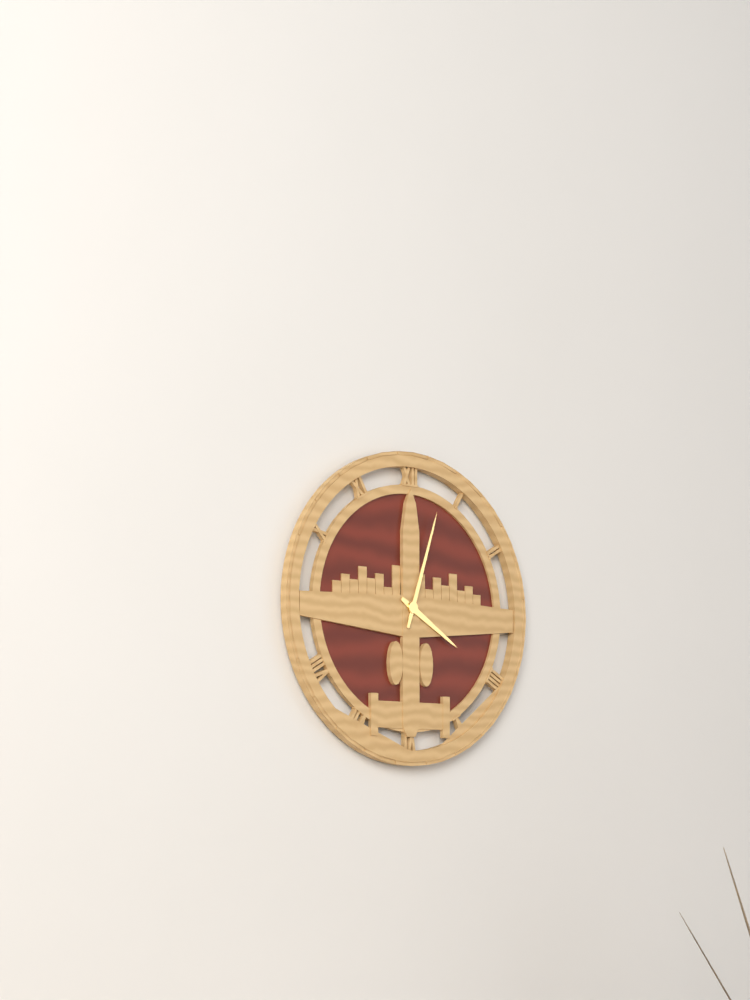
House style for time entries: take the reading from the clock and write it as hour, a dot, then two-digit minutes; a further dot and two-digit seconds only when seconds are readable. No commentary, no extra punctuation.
4.03
